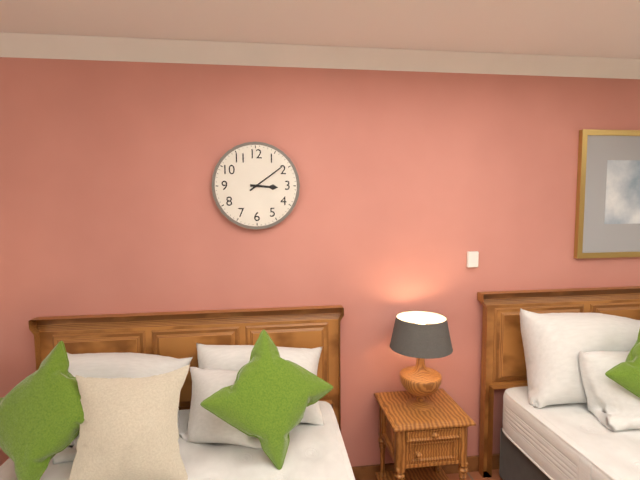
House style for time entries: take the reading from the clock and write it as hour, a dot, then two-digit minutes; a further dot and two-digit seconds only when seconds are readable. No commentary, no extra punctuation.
3.09
